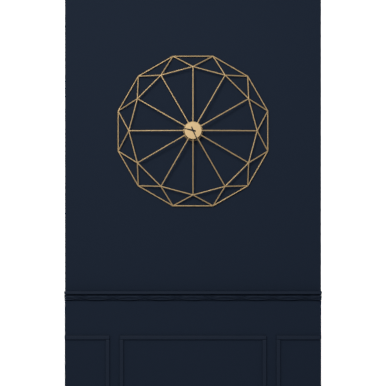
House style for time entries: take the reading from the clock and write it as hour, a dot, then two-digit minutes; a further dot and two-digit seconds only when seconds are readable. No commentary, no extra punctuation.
9.26
